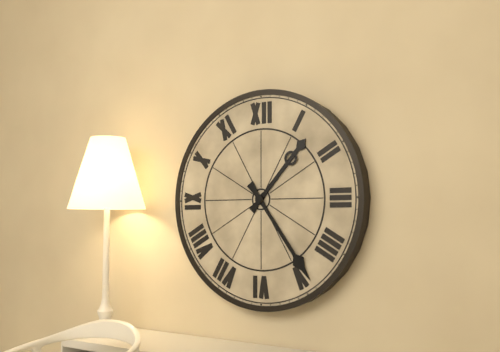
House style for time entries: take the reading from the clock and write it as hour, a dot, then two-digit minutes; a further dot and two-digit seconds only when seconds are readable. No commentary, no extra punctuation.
1.24
